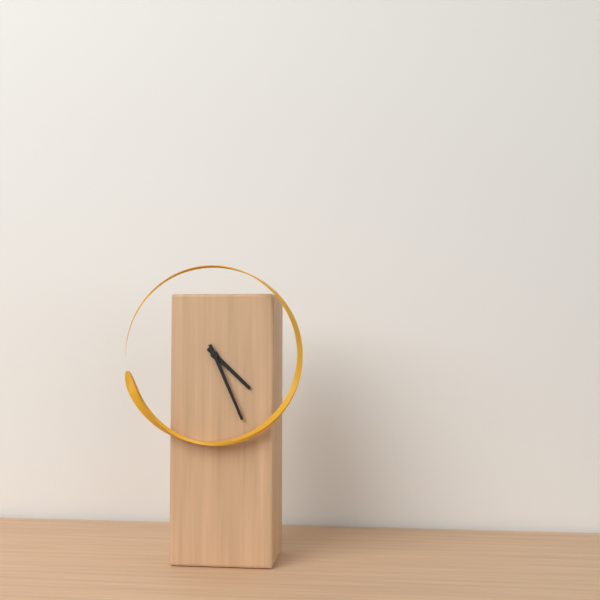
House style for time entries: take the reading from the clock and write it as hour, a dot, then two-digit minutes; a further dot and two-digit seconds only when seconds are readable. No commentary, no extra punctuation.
4.26
